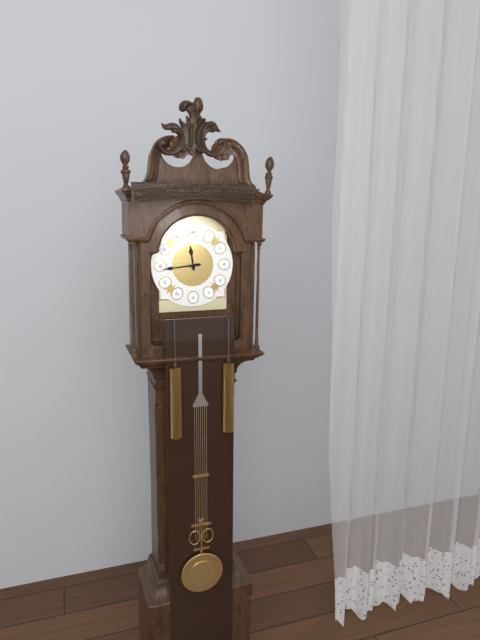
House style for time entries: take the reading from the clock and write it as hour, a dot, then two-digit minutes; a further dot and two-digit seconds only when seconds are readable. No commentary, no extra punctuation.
11.44
